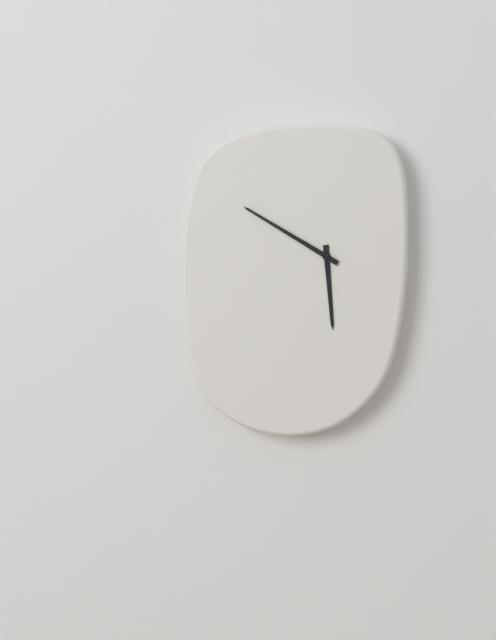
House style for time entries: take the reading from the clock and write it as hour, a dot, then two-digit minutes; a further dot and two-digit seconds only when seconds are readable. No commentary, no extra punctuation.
5.50
